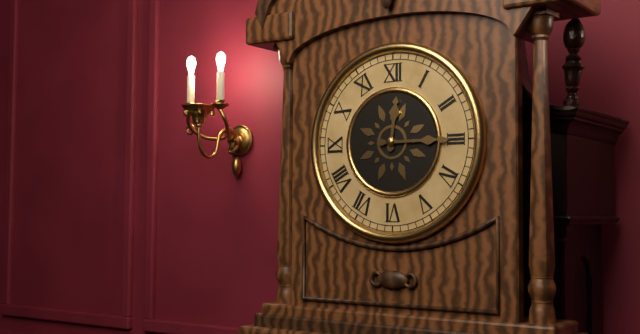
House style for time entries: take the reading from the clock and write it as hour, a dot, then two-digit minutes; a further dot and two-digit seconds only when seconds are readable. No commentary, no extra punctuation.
12.15
